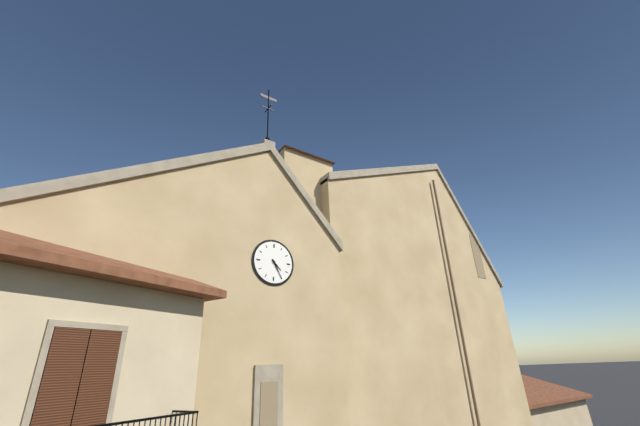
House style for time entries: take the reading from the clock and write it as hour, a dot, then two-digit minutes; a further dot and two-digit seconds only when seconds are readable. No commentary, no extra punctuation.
4.25
